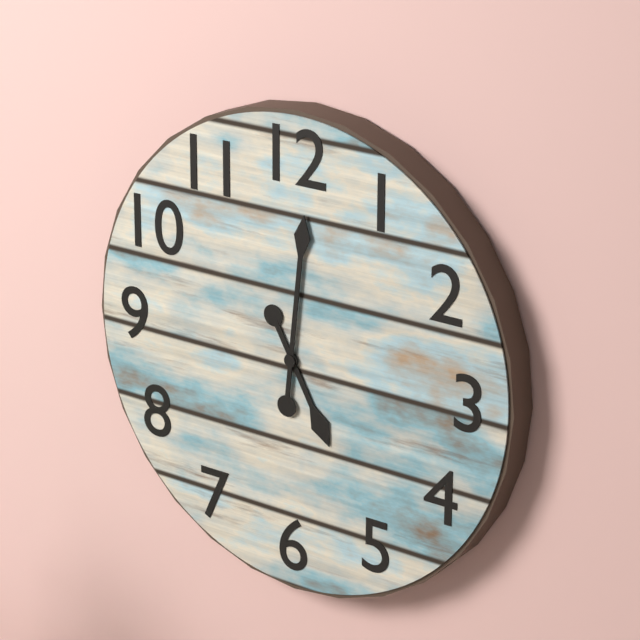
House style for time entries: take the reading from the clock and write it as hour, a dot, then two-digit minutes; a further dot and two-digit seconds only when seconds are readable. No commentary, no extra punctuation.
5.01
